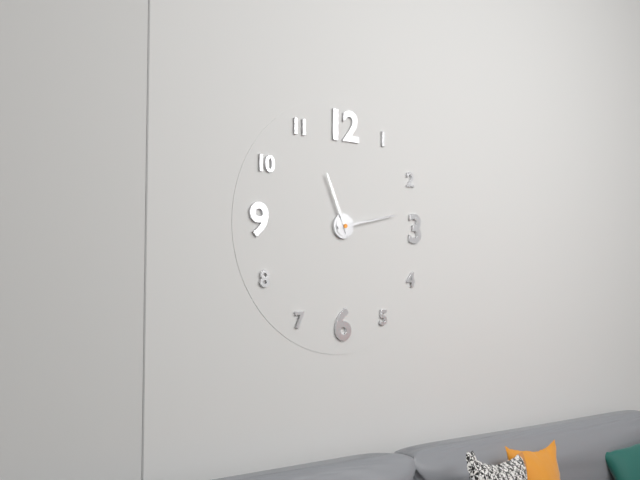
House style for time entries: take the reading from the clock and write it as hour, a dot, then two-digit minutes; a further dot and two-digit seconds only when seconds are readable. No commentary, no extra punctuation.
11.13
